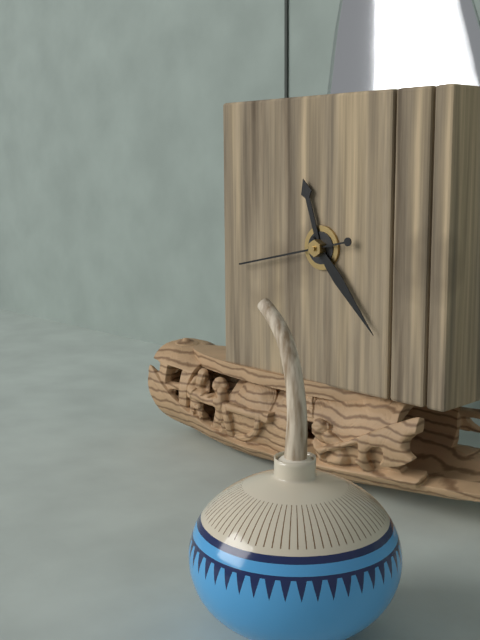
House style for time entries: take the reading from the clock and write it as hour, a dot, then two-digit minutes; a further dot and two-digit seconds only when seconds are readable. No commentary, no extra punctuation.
11.23.43
